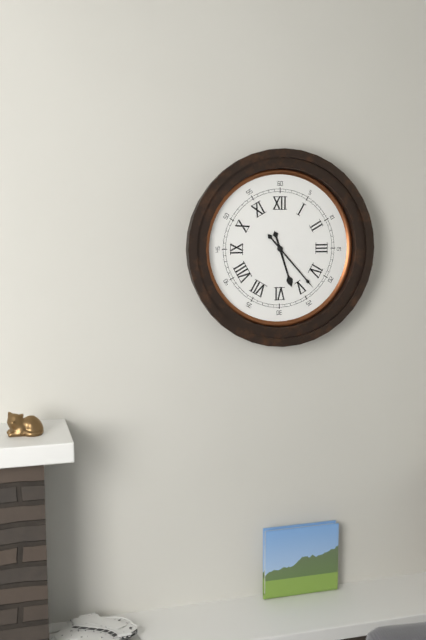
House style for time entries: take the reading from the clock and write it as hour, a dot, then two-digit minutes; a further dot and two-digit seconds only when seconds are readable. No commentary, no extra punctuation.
5.23
